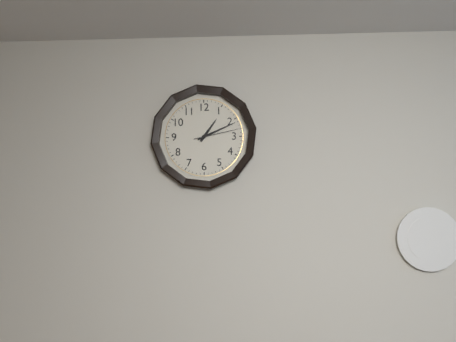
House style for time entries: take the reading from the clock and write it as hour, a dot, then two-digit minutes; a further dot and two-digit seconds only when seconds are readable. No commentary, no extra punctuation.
1.11
